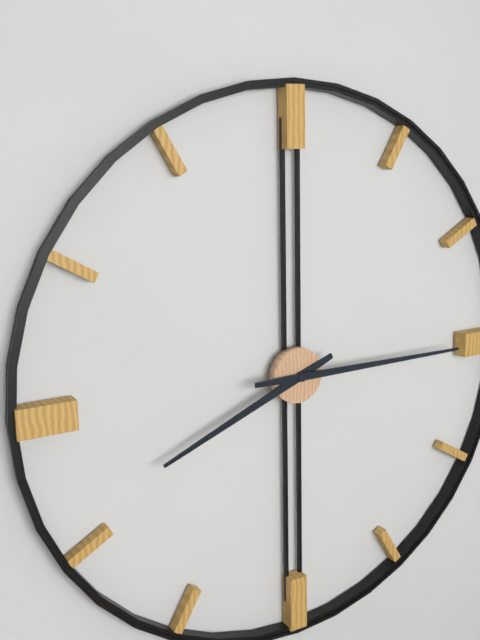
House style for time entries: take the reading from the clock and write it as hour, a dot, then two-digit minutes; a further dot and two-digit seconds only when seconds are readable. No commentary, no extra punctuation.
8.15
